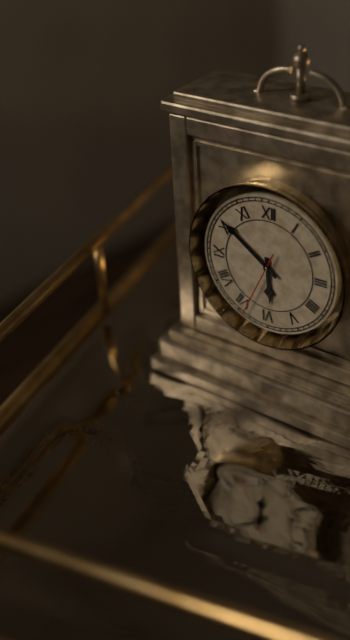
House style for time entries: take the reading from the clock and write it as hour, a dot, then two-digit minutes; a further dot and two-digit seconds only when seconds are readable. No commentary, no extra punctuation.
5.51.34
